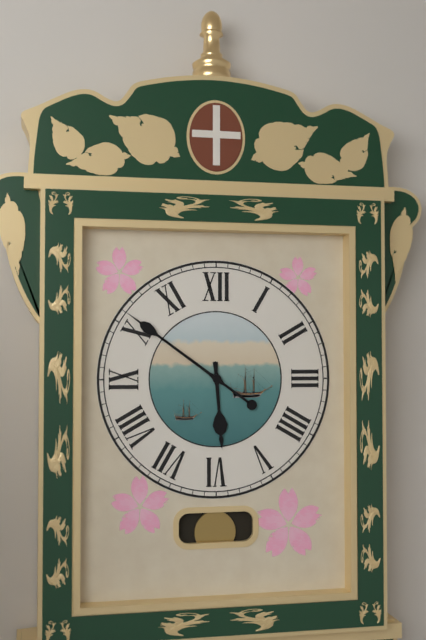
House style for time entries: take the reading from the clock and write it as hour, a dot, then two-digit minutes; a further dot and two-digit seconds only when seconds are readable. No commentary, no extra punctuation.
5.51
